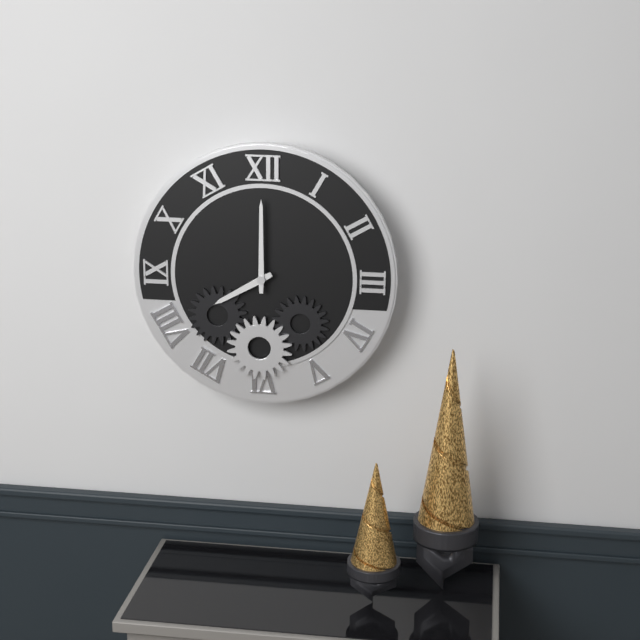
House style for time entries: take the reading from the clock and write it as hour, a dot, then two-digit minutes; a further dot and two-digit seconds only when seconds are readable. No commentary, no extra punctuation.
8.00
